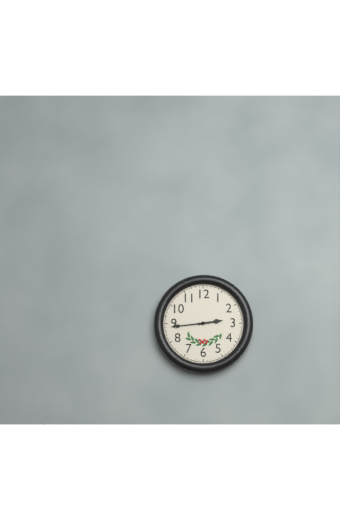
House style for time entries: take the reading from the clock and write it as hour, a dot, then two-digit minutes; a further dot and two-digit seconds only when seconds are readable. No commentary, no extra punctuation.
2.44
